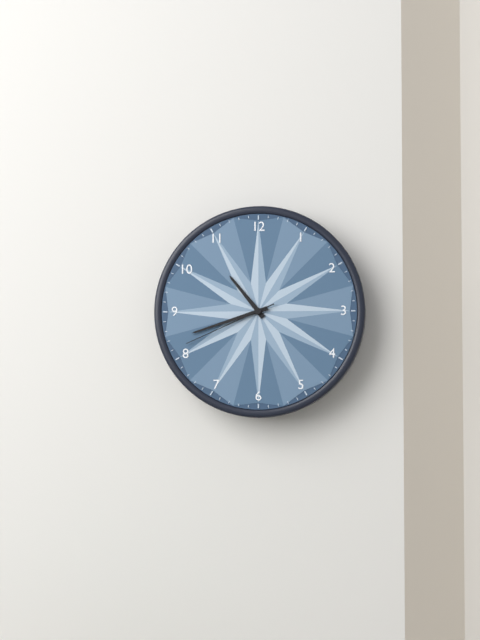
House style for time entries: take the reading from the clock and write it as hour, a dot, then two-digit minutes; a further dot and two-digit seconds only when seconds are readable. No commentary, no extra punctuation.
10.42.41
